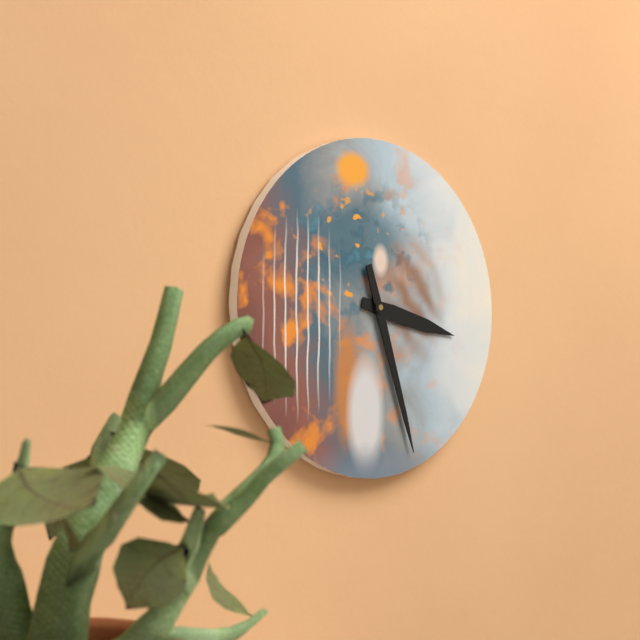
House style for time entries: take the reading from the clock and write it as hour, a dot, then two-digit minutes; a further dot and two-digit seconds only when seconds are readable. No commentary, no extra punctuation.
3.27
